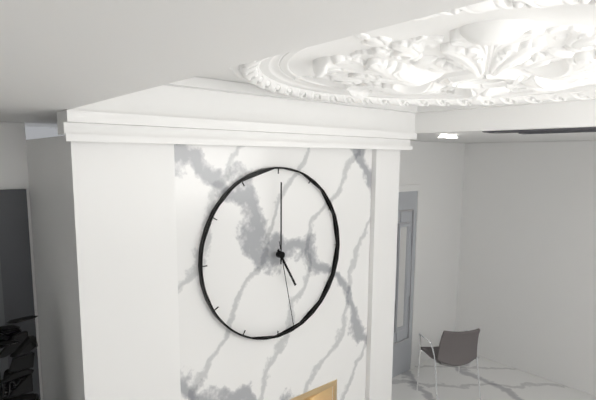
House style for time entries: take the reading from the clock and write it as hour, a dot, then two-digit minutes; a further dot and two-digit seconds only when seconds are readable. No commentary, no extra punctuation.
5.00.28
